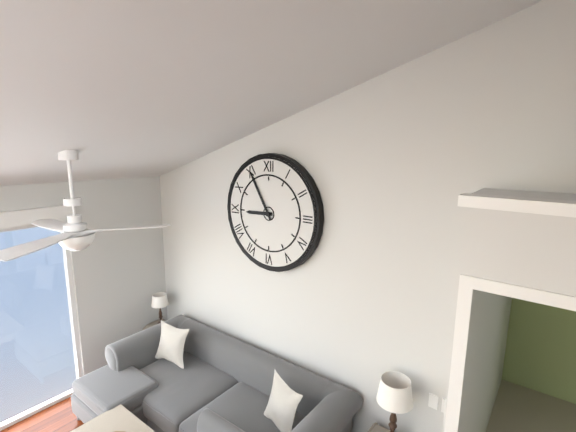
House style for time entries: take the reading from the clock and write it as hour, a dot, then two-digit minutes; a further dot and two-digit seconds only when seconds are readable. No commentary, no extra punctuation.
8.55
